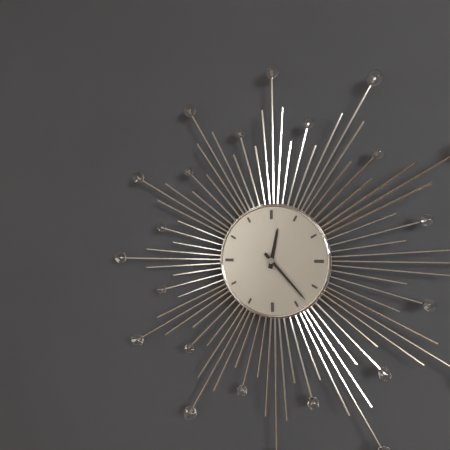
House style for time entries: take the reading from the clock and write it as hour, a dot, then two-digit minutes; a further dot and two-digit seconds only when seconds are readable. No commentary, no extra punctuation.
12.23
